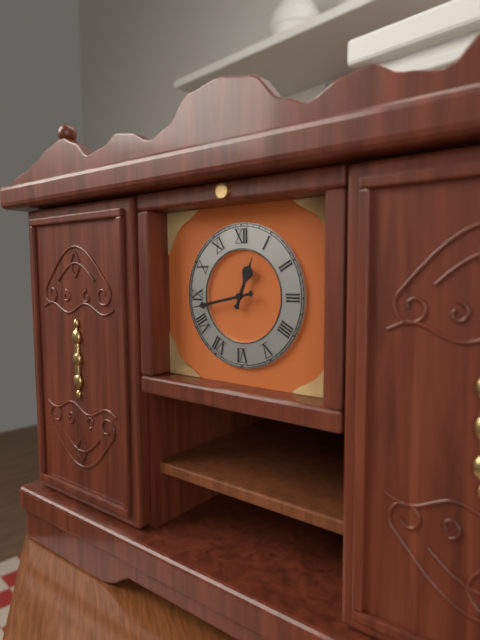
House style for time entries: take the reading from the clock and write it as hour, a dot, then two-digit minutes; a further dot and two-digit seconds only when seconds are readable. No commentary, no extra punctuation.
12.43
